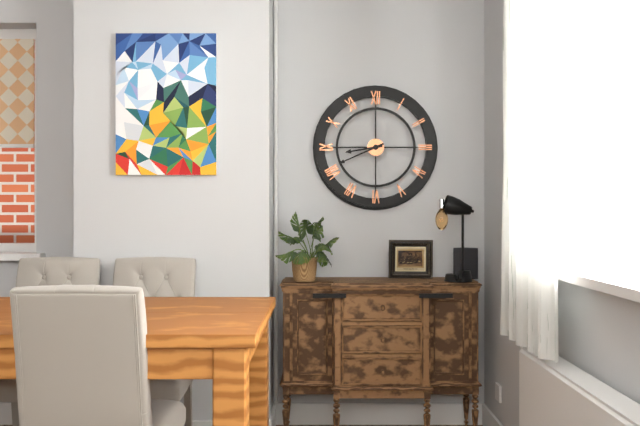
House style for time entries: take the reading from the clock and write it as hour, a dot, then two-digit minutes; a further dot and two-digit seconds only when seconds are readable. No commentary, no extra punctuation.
8.41
